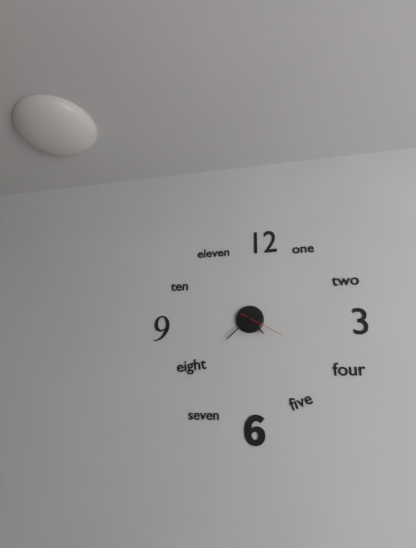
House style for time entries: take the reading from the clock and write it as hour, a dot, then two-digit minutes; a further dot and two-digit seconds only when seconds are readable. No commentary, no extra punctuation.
4.38
